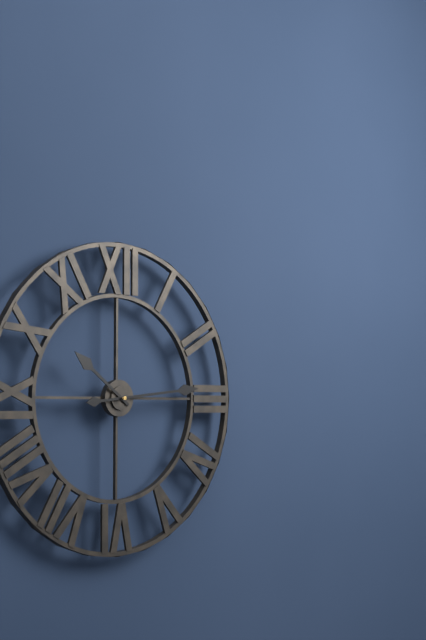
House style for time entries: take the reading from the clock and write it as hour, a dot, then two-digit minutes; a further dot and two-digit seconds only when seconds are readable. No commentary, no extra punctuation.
10.14
